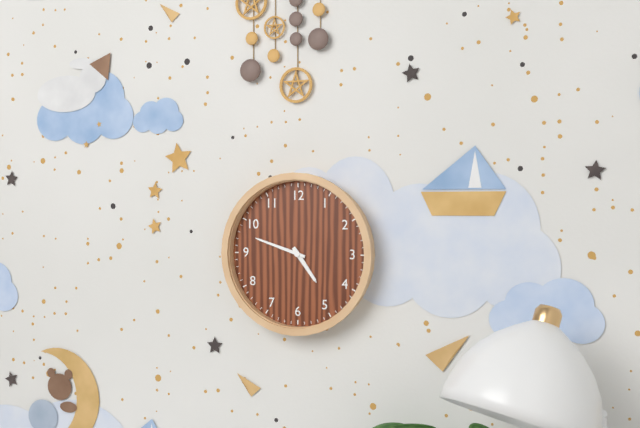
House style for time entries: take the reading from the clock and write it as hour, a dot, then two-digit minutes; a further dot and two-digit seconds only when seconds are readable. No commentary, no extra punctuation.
4.48
